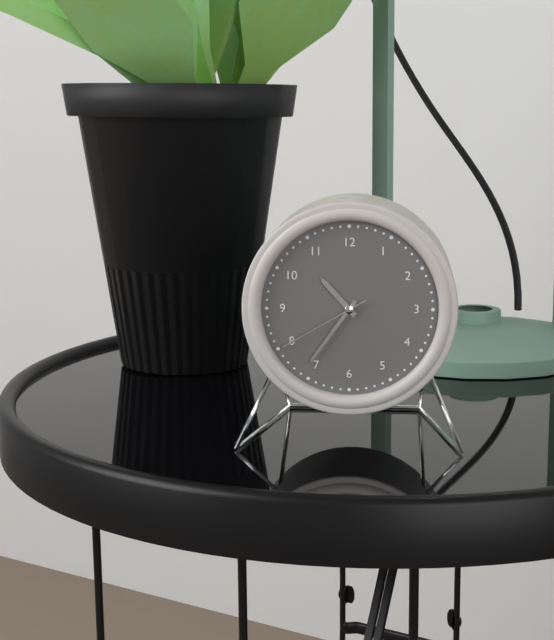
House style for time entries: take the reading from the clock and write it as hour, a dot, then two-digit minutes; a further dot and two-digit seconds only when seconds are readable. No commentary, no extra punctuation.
10.36.40
